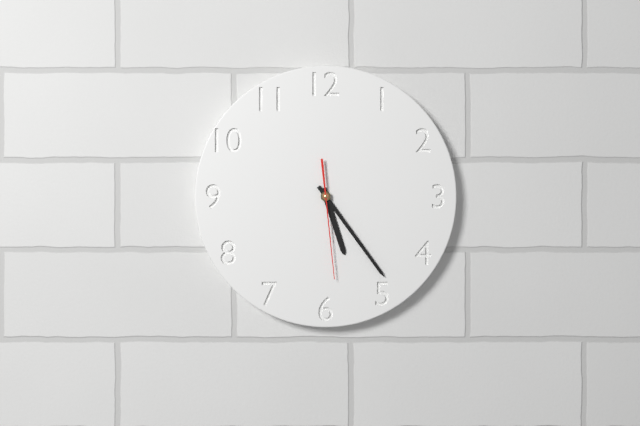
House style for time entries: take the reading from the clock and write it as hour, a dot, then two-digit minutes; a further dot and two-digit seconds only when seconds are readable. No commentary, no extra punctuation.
5.24.29
